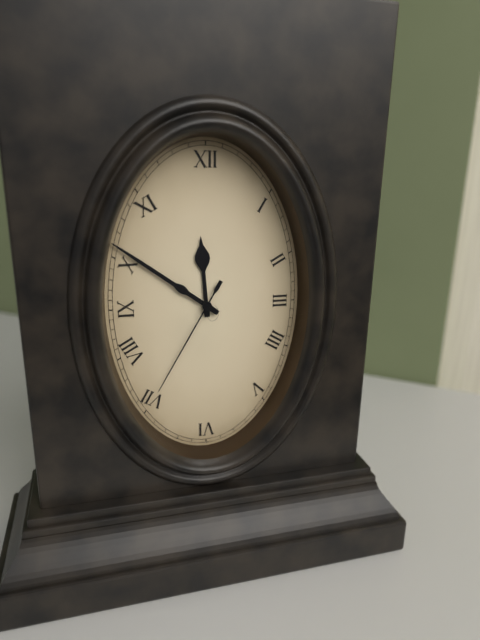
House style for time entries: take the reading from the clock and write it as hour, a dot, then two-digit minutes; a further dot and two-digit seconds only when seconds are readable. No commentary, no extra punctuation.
11.51.35
